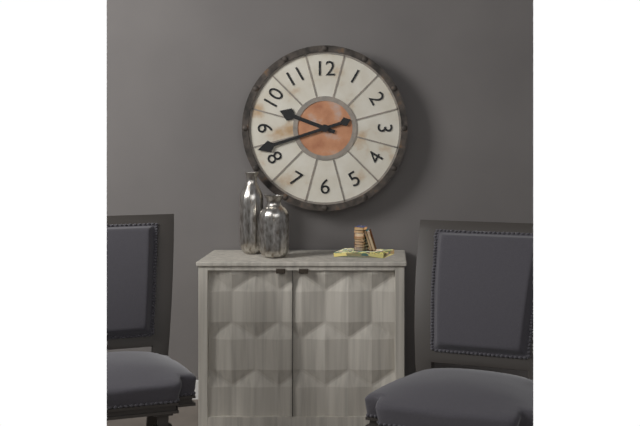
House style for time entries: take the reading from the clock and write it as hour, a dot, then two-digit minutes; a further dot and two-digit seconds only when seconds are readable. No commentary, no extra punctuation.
9.42
